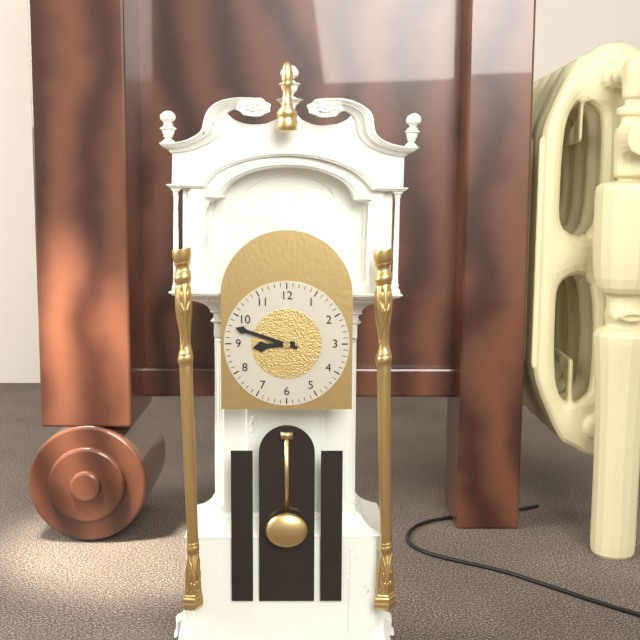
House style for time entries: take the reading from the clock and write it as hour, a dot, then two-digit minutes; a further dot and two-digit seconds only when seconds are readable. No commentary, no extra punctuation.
8.48
